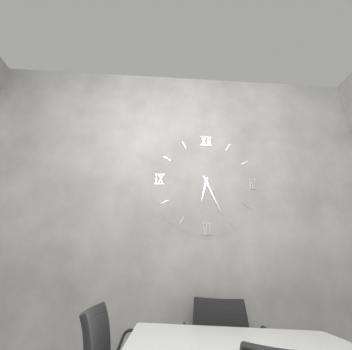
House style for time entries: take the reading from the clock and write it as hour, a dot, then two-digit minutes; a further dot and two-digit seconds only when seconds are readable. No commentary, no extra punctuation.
6.26
